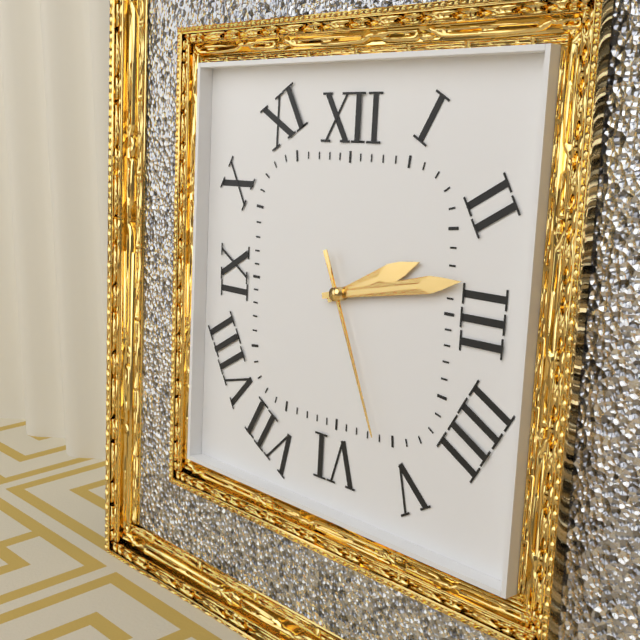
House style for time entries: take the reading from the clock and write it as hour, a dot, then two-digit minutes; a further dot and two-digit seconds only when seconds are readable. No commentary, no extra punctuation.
2.13.26
